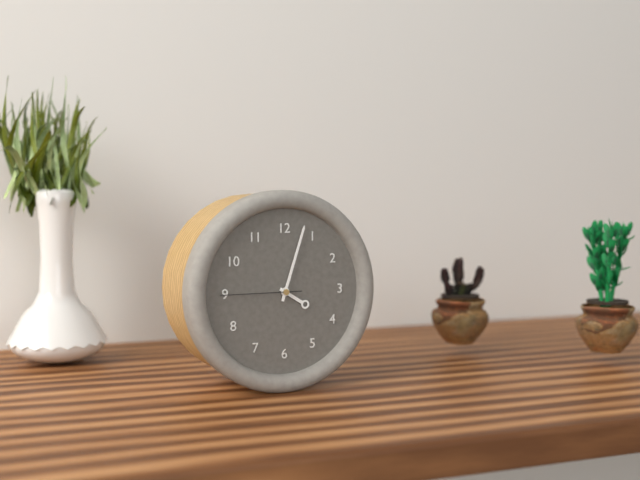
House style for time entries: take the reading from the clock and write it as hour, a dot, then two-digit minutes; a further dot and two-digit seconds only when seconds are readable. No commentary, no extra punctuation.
4.03.45
